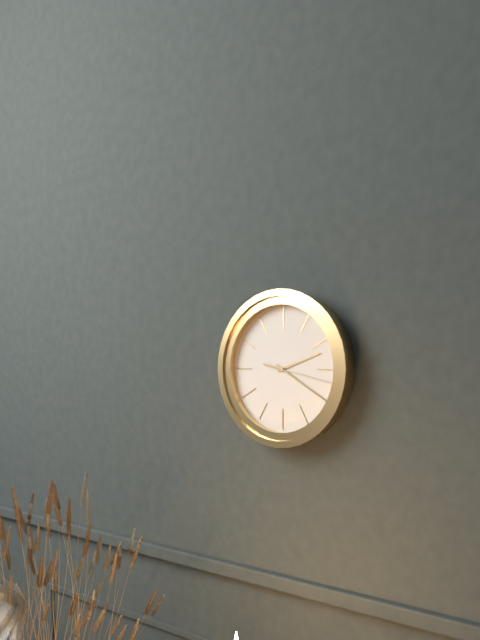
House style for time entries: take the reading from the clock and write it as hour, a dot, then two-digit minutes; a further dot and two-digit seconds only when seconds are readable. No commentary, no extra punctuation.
2.20.17
